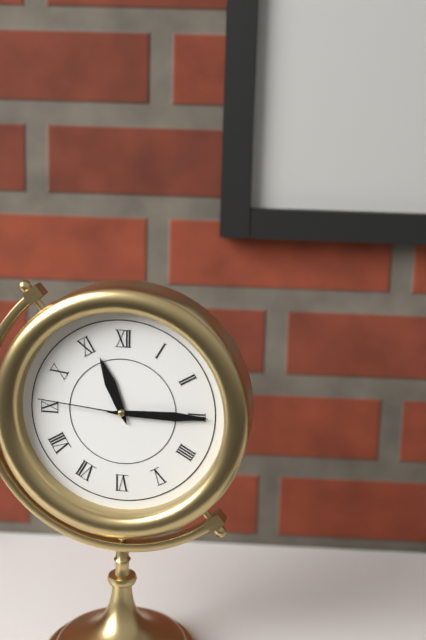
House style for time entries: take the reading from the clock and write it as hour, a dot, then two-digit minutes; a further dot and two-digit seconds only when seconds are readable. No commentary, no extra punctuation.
11.15.46
